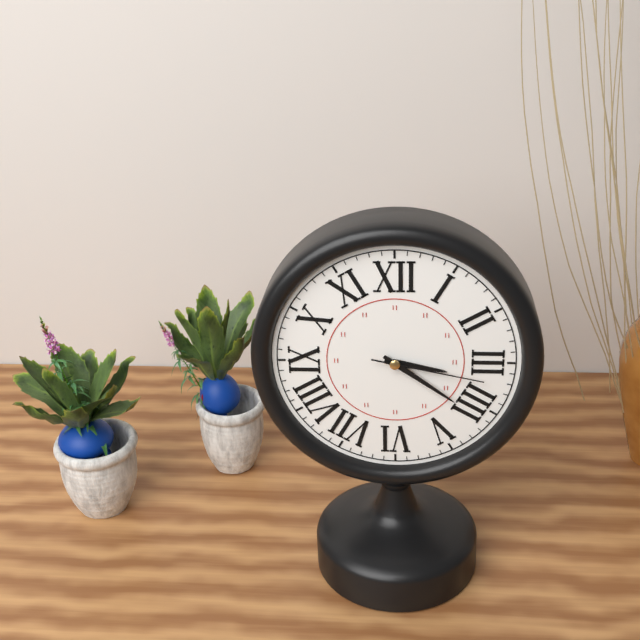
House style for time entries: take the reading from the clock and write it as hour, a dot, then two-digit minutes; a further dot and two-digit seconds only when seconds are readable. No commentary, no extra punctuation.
3.21.17
